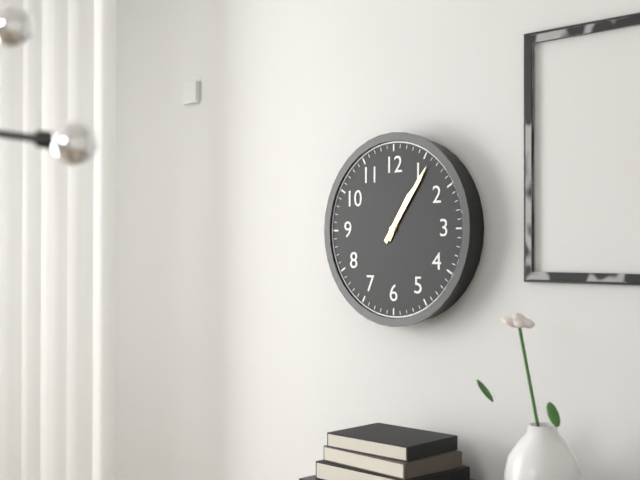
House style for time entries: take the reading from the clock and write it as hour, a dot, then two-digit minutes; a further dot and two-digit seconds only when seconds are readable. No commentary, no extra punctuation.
1.06
